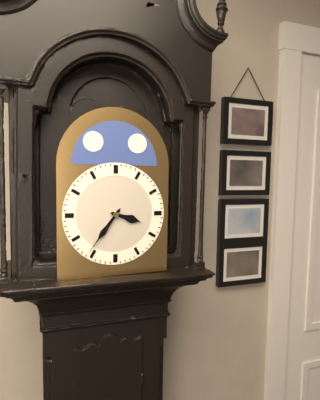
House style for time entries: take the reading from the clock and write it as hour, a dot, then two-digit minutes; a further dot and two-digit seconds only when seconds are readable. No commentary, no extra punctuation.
3.36
